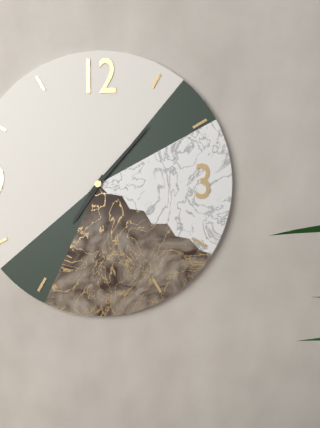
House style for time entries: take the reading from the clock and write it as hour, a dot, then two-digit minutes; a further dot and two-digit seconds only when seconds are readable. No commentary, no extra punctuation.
7.07
